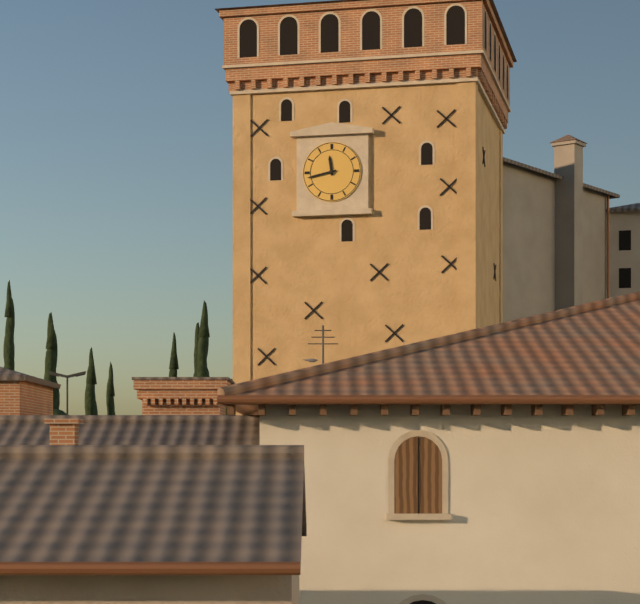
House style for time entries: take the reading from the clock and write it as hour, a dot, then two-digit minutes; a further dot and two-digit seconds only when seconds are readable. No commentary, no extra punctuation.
11.43
